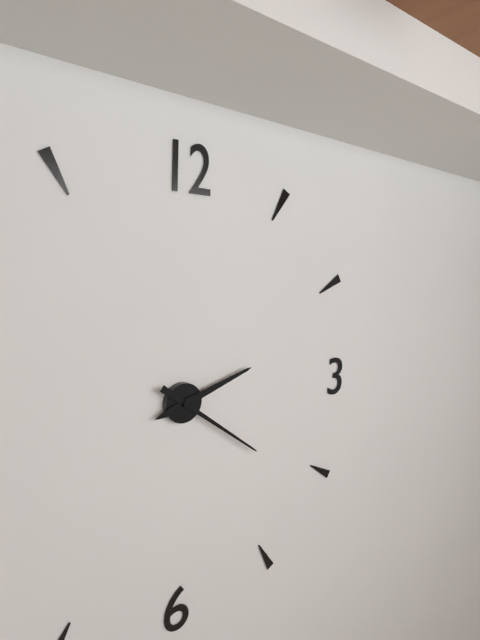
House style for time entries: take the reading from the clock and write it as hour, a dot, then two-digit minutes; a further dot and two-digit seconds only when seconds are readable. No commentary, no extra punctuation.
2.21
